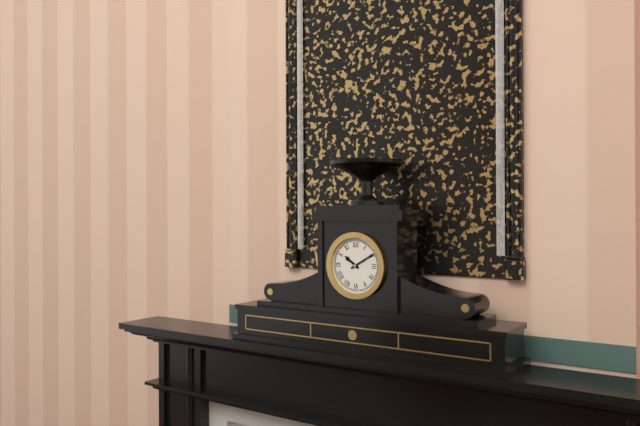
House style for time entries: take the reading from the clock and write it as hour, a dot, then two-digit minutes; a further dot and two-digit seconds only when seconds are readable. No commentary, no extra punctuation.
10.10
